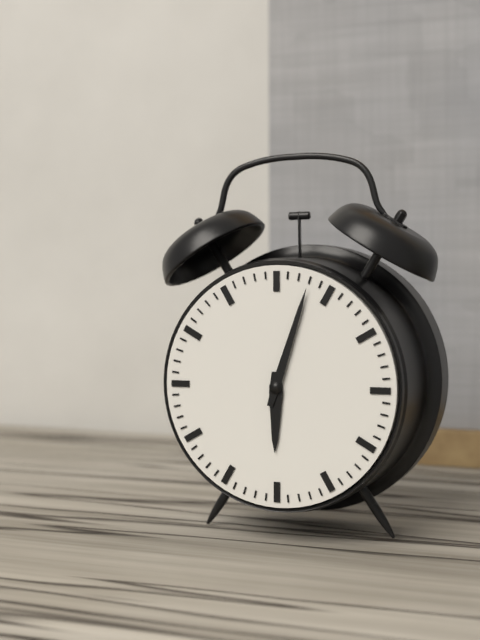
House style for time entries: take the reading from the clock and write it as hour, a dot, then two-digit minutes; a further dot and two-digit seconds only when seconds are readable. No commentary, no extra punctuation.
6.03
